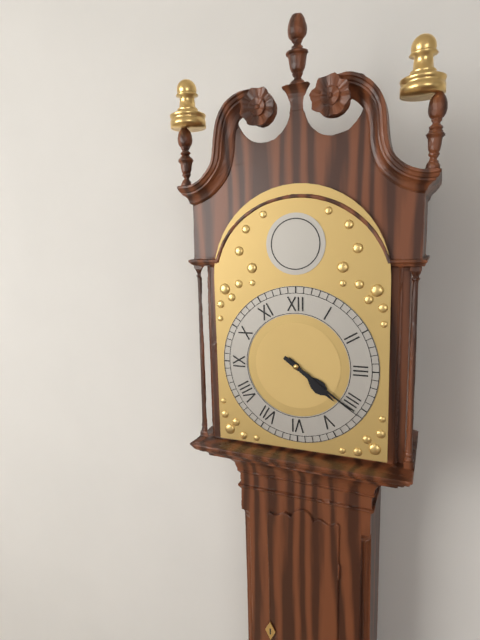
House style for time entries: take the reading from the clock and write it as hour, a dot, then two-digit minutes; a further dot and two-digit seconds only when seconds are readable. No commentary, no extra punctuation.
4.21
